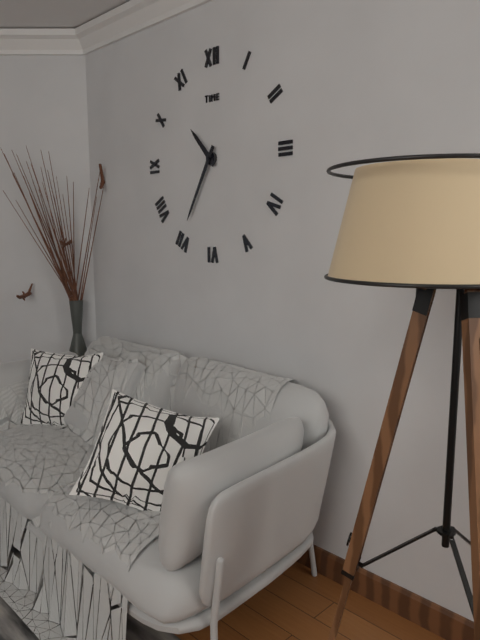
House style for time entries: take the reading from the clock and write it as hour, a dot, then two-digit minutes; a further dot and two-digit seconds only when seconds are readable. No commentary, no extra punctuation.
10.35
